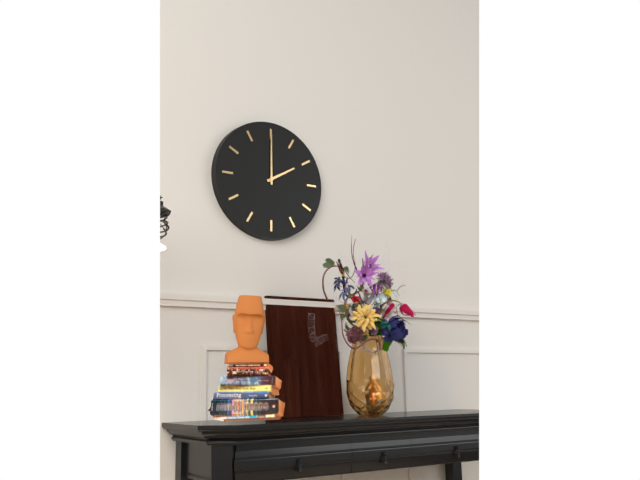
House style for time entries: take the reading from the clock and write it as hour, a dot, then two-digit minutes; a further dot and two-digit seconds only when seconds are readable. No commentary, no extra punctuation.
2.00
